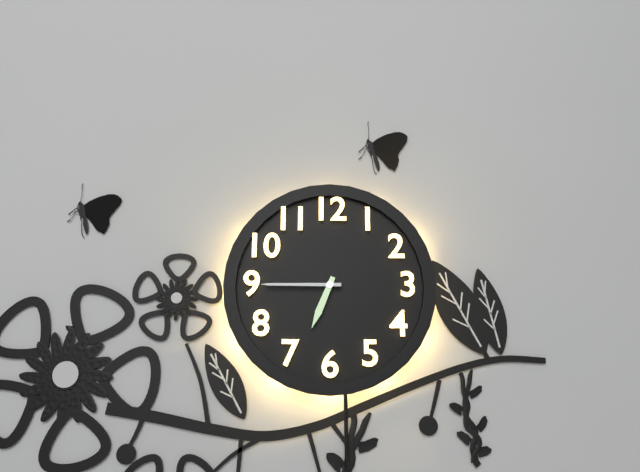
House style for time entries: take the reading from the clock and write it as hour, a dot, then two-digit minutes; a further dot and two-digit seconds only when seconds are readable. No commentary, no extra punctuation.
6.45
